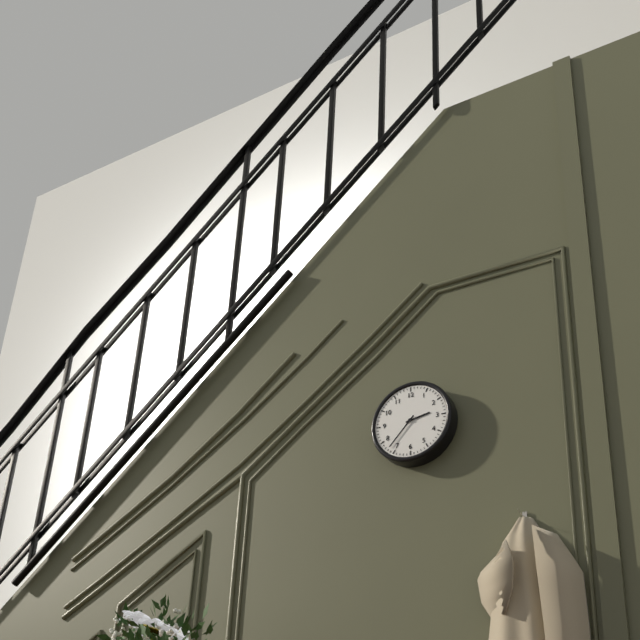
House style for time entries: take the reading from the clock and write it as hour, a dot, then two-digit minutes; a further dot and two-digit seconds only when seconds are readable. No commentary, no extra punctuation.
2.37
